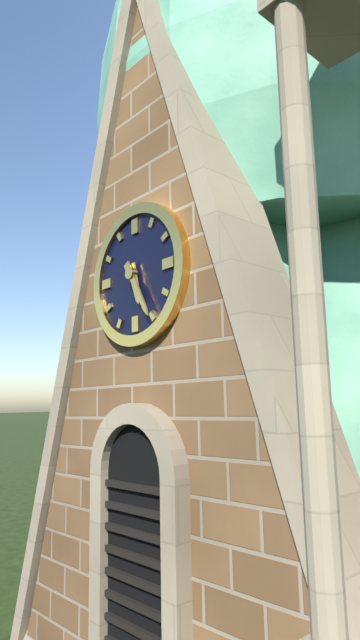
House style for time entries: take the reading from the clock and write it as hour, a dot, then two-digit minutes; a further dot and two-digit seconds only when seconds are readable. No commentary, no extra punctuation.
5.25
